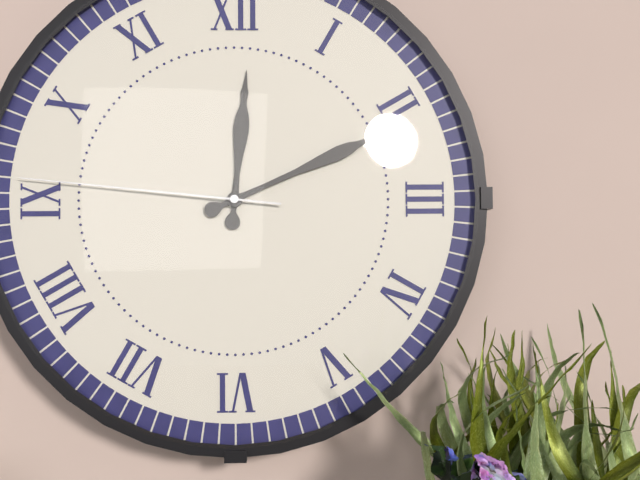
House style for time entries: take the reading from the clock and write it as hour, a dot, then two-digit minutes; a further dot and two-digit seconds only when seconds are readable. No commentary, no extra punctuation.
12.11.46
